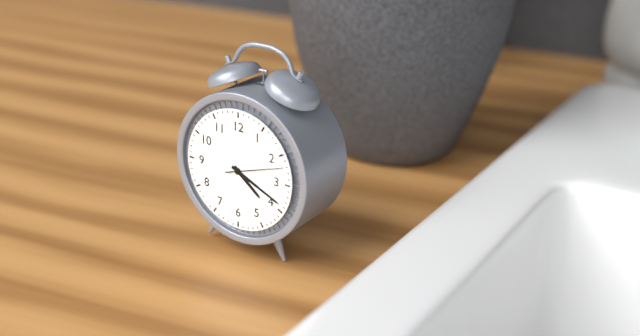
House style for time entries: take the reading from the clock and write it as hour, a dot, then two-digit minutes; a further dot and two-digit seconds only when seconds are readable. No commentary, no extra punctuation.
4.19.12
